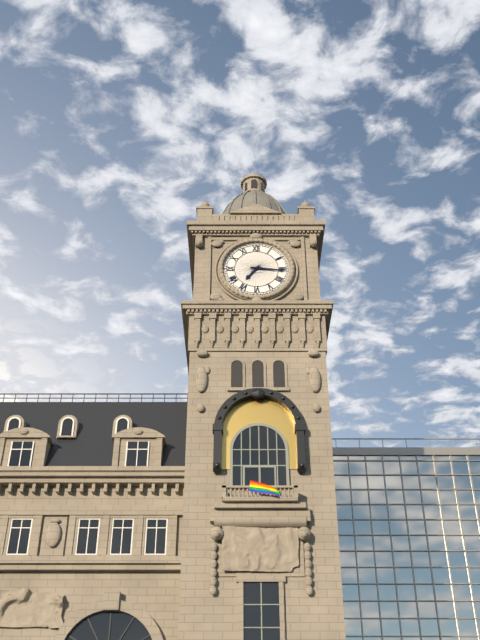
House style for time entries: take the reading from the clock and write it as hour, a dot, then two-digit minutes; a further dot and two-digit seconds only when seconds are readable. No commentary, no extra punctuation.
7.16
